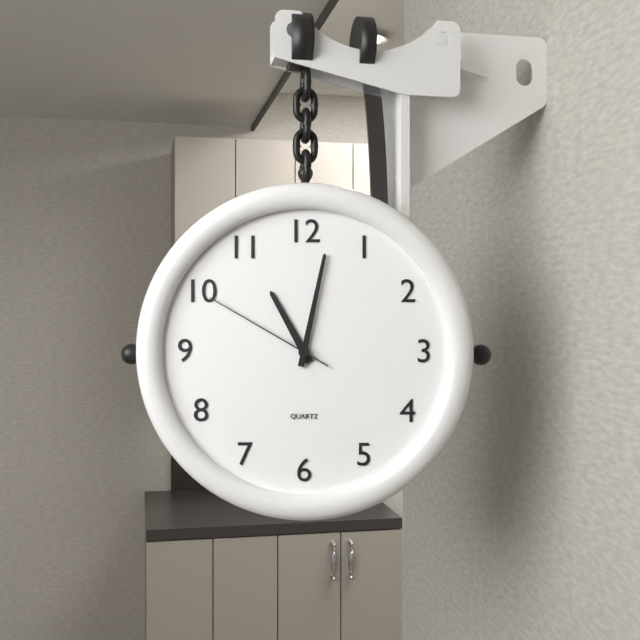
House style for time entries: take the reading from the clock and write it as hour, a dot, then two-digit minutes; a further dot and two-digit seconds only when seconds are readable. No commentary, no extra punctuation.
11.02.50
